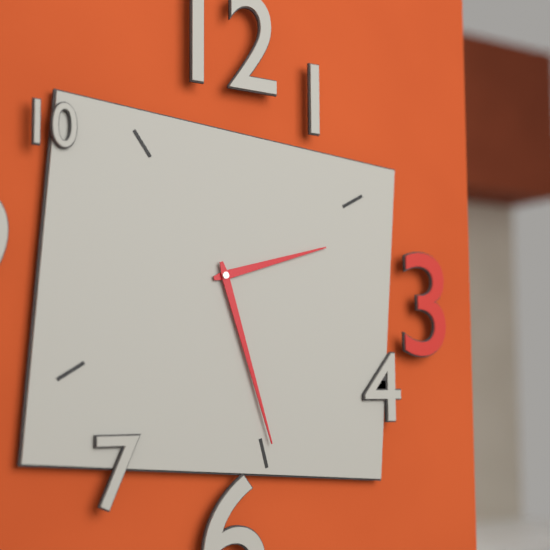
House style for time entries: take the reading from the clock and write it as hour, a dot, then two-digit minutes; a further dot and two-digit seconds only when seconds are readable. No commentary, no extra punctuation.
2.27
